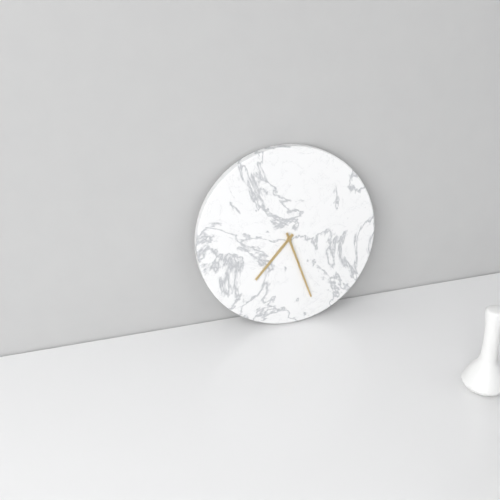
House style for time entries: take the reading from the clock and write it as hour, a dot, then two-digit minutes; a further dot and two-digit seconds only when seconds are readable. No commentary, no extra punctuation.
7.27
